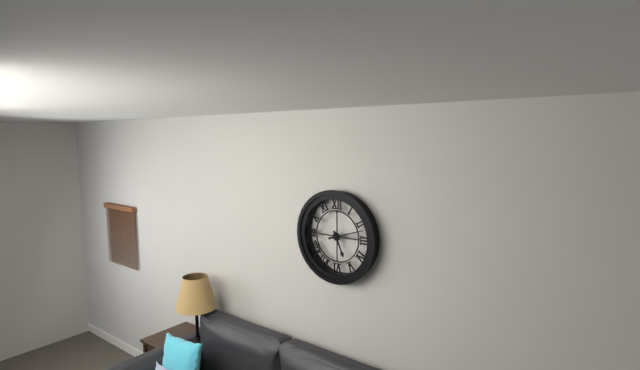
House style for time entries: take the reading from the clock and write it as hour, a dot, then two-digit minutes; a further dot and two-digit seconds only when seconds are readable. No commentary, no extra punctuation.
5.12
